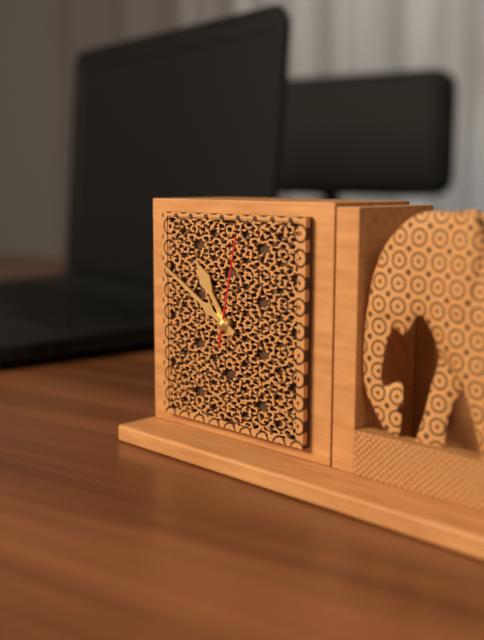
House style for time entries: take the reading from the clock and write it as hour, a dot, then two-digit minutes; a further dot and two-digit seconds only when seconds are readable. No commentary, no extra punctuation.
10.50.02
